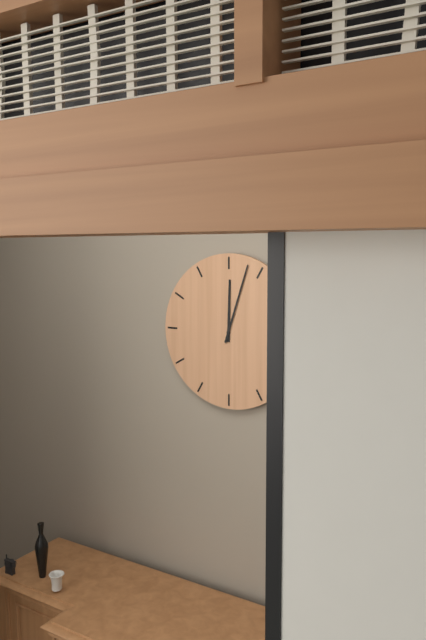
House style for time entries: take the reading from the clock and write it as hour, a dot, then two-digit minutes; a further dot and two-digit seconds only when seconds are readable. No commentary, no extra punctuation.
12.03
